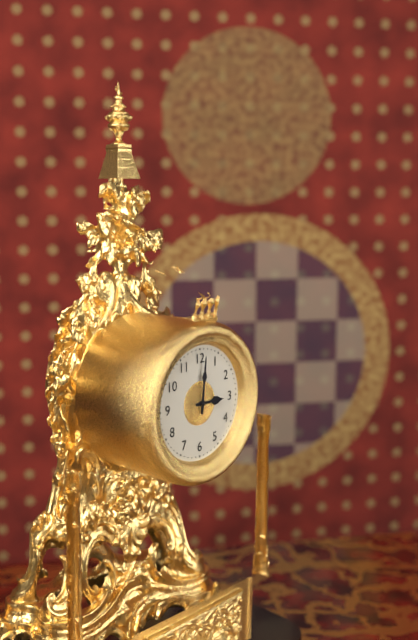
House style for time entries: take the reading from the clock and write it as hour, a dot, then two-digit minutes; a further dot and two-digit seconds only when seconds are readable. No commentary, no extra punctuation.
3.01
